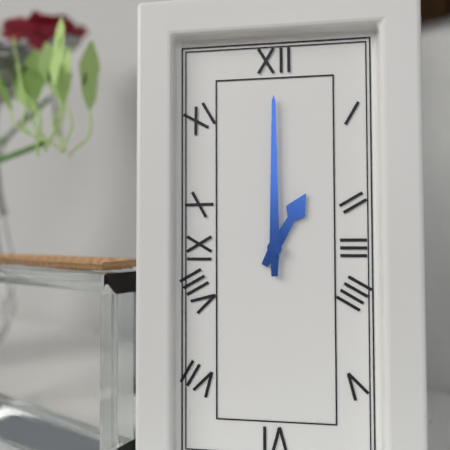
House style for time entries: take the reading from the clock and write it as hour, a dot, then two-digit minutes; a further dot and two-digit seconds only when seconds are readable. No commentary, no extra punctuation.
1.00
